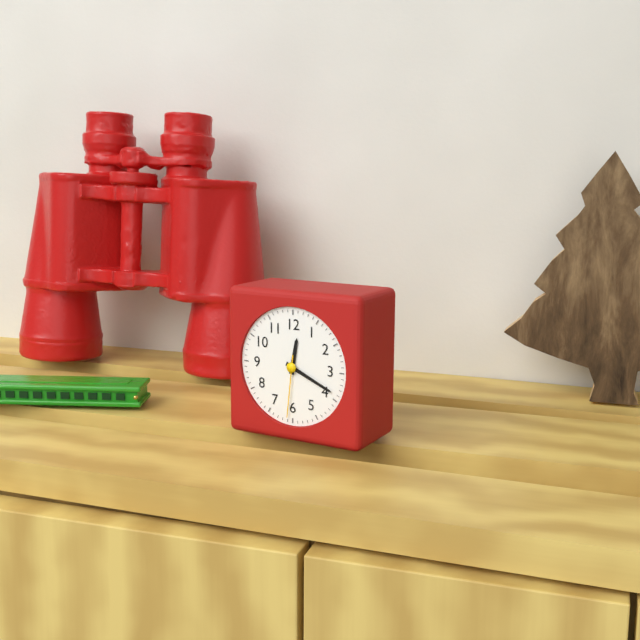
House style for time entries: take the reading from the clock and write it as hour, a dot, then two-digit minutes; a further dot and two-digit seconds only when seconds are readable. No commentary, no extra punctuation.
12.19.31
